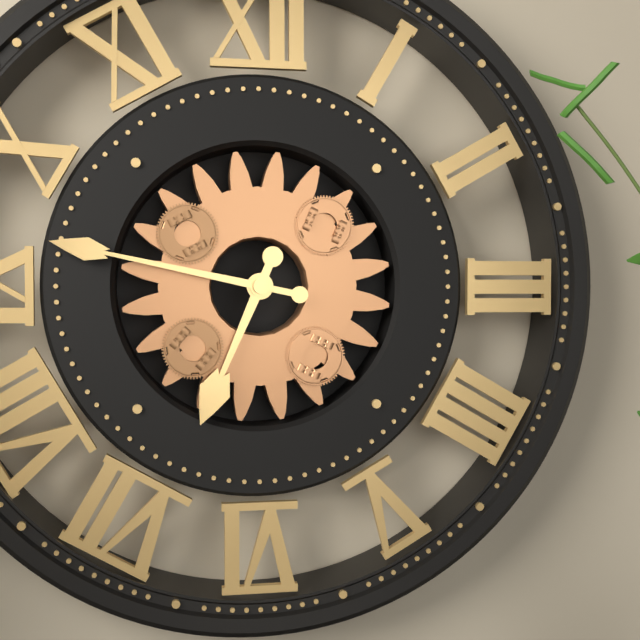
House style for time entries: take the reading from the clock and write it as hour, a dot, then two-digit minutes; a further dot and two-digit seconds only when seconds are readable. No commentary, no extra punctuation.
6.47
